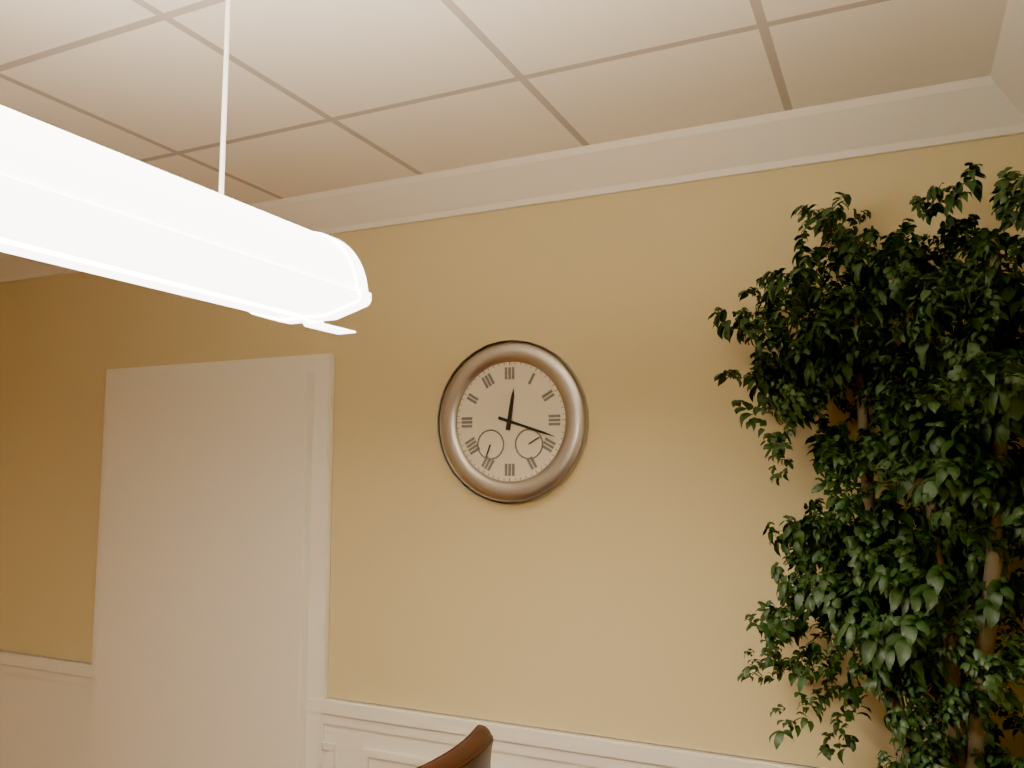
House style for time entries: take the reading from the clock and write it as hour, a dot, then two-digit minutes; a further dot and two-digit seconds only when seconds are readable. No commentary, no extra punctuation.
12.18
